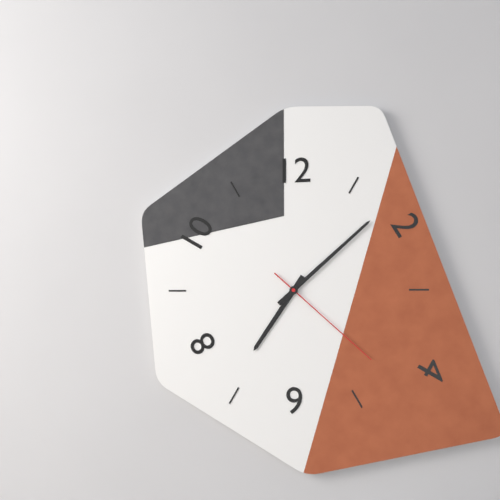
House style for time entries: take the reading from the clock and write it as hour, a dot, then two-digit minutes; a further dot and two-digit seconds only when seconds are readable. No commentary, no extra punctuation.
7.08.22
